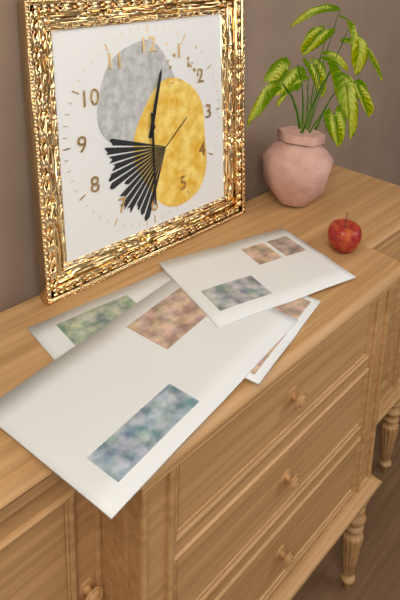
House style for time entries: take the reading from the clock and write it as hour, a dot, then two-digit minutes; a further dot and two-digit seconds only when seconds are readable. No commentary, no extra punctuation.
12.30
